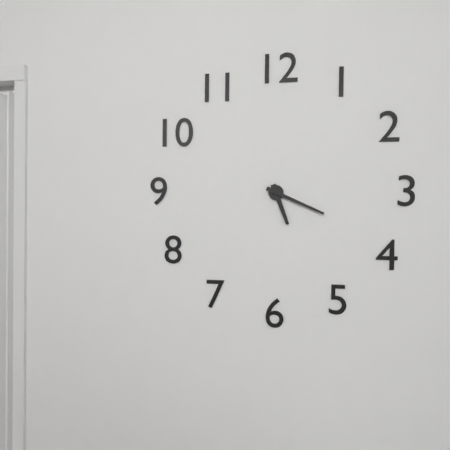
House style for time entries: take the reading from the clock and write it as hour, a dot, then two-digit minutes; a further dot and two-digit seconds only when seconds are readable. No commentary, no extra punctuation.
5.19
